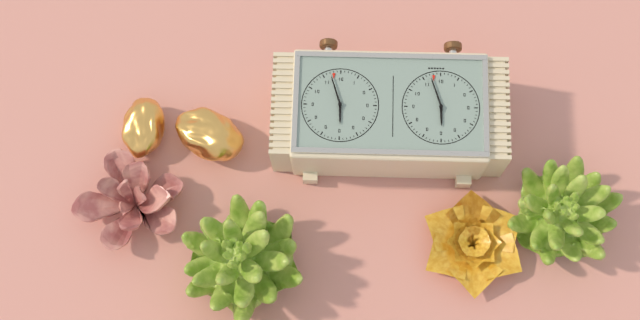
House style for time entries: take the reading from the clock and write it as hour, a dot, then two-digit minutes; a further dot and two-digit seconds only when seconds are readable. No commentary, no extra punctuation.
5.57
